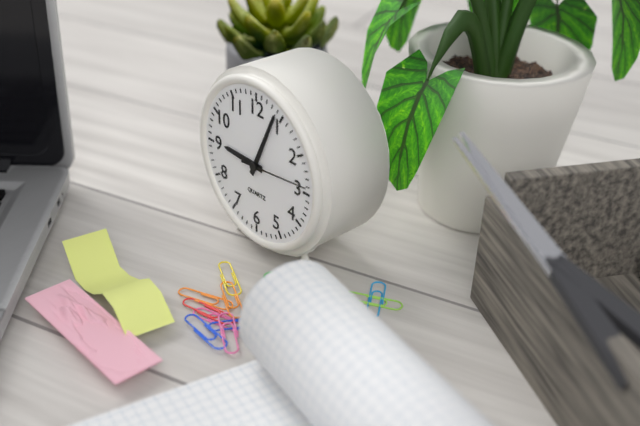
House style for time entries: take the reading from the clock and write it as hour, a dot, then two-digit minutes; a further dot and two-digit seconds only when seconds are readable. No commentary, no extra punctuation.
9.04.14
